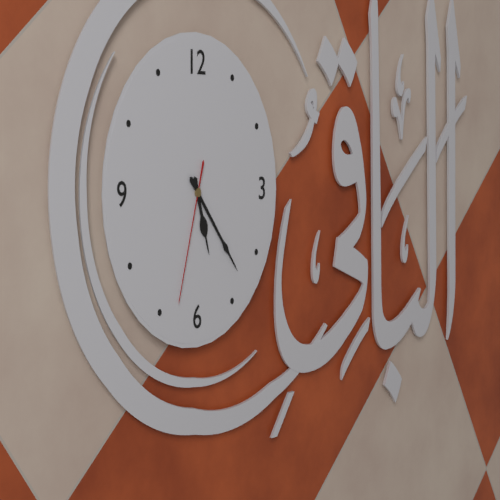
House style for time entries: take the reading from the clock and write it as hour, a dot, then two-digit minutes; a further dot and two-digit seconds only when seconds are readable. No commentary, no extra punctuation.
5.23.33
